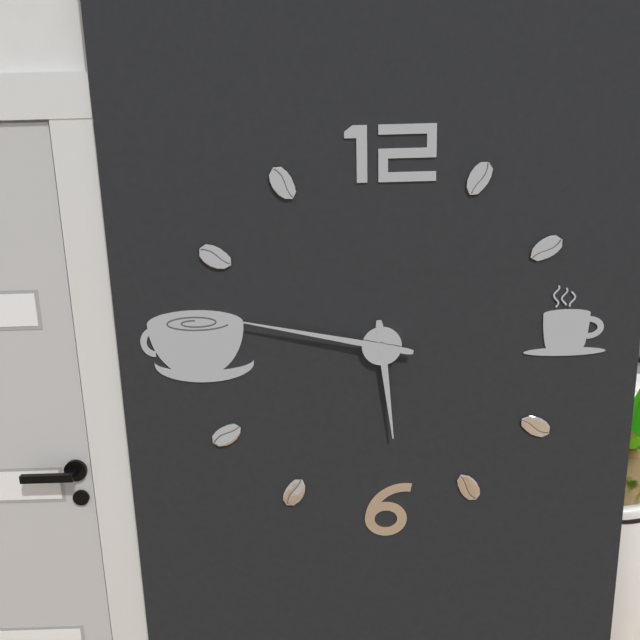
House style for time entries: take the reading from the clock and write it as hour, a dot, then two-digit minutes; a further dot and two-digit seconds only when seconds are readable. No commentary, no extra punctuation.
5.47
